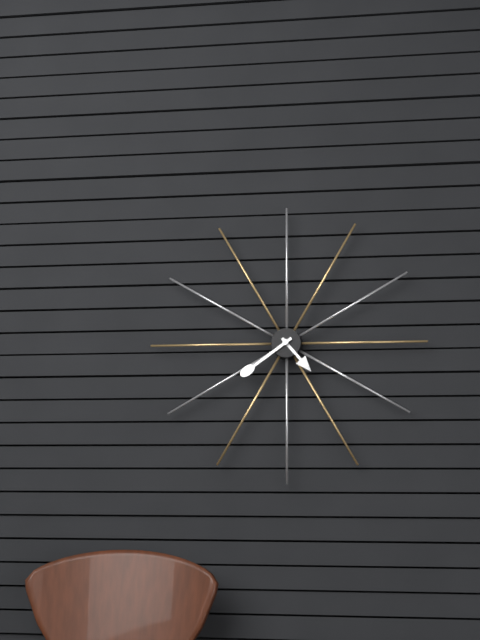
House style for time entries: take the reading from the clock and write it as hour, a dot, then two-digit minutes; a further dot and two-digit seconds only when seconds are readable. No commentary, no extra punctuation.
4.39
